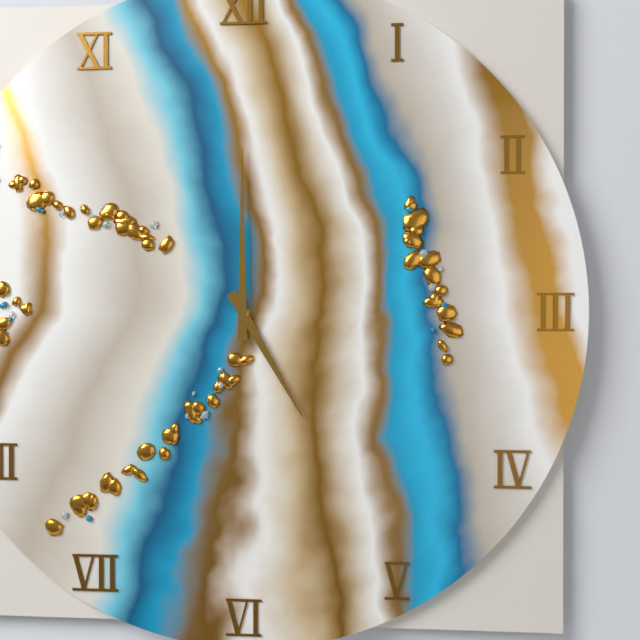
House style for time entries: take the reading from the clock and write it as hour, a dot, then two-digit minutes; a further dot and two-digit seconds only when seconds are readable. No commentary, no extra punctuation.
5.00
